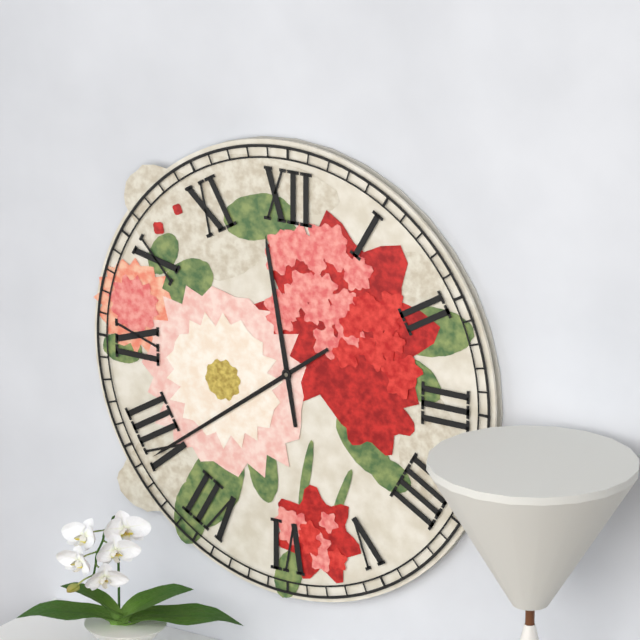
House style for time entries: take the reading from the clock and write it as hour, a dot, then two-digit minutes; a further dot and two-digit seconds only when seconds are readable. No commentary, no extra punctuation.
11.39
